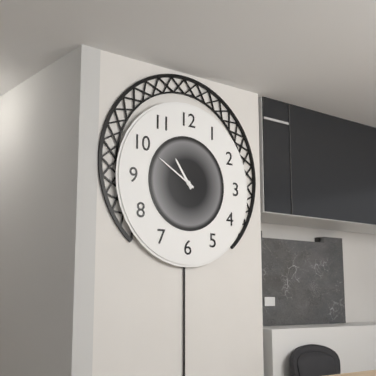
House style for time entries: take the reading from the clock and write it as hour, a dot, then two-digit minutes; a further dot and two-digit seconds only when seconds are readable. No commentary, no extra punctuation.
10.50
